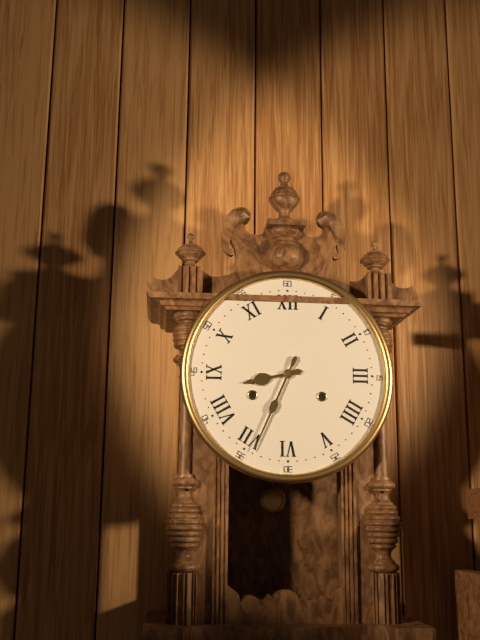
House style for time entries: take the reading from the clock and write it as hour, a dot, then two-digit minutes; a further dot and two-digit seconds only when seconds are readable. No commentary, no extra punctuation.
8.34
